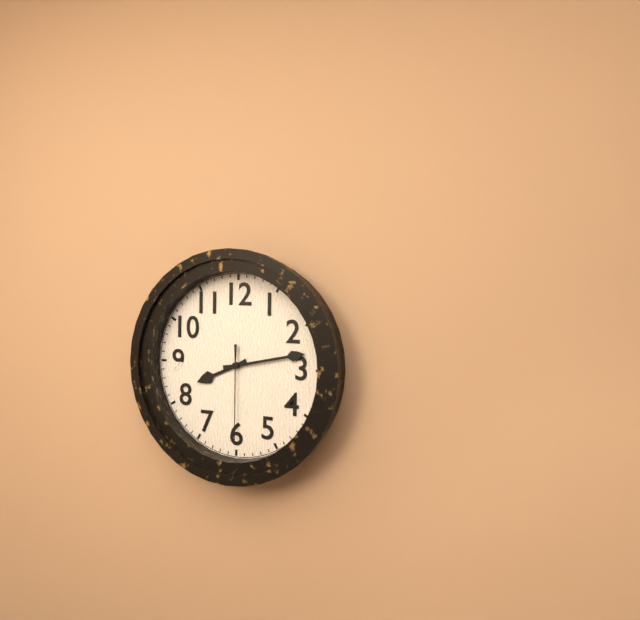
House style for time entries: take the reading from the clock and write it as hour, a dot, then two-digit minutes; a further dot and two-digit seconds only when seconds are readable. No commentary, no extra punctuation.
8.13.30
